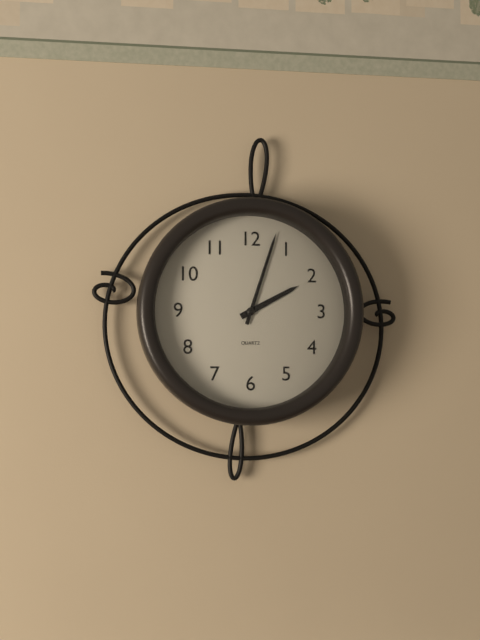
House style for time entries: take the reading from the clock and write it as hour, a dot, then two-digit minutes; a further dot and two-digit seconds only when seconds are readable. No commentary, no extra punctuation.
2.03
